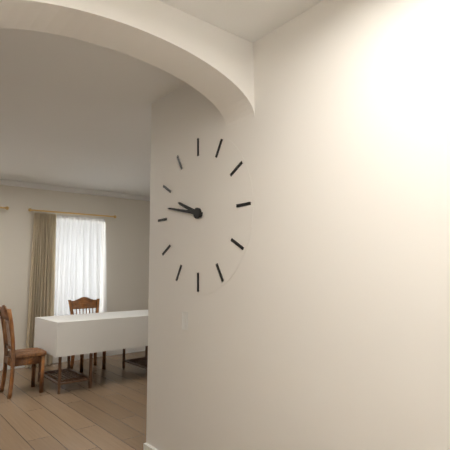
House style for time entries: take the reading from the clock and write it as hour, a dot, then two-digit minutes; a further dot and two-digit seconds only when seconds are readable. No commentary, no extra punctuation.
9.47
